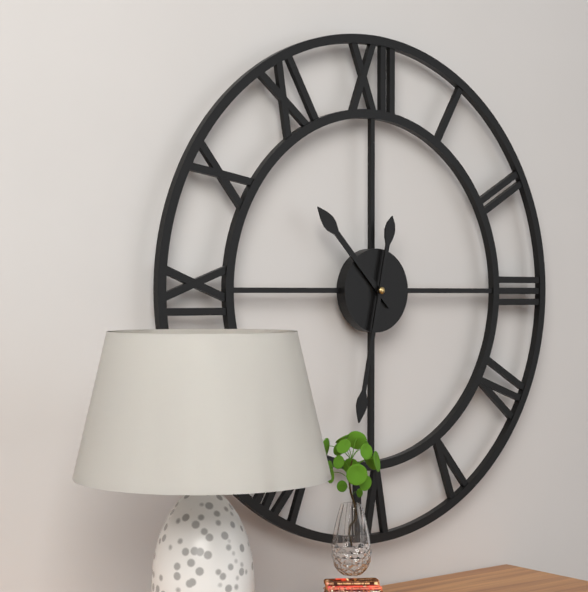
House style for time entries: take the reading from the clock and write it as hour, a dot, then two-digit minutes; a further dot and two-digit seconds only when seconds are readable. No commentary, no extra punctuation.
10.32
